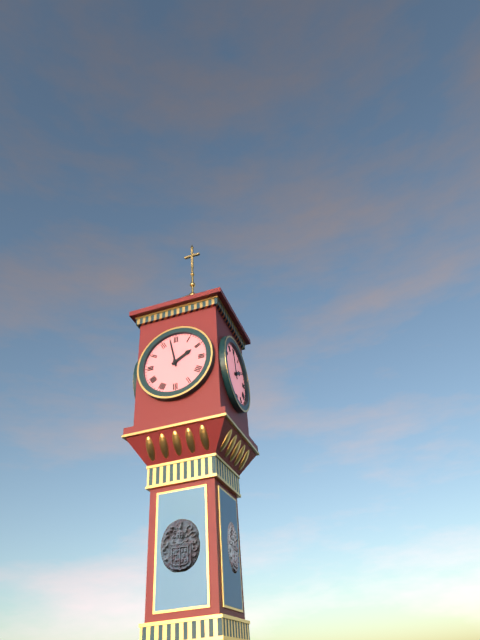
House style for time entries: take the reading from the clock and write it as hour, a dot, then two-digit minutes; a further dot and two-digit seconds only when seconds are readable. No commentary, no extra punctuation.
1.58
